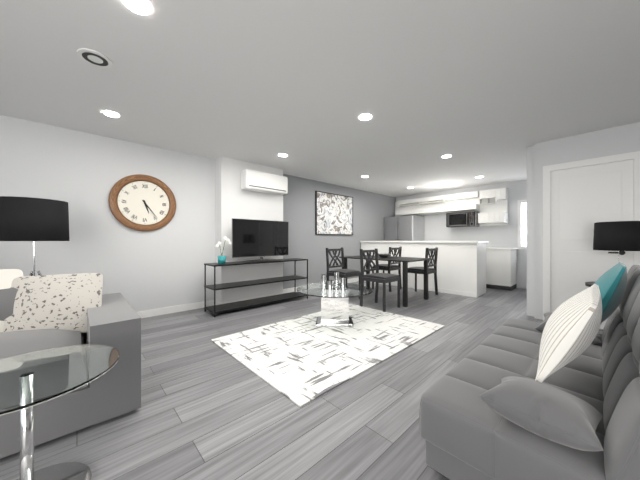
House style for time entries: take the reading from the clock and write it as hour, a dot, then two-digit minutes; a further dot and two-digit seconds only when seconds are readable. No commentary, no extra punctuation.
5.24
